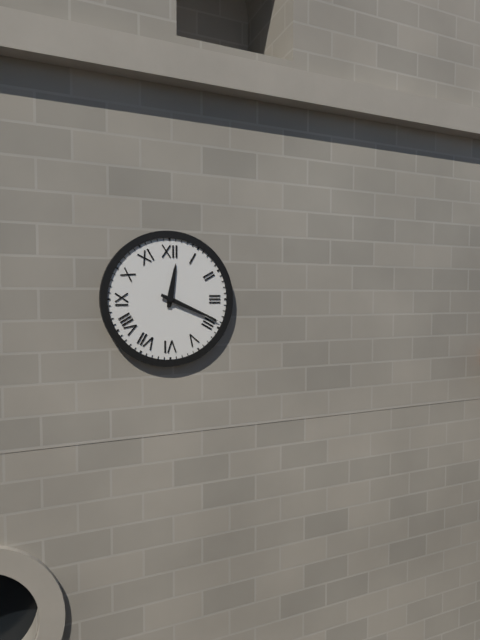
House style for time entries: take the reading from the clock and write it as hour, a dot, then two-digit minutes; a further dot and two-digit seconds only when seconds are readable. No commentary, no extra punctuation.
12.19
